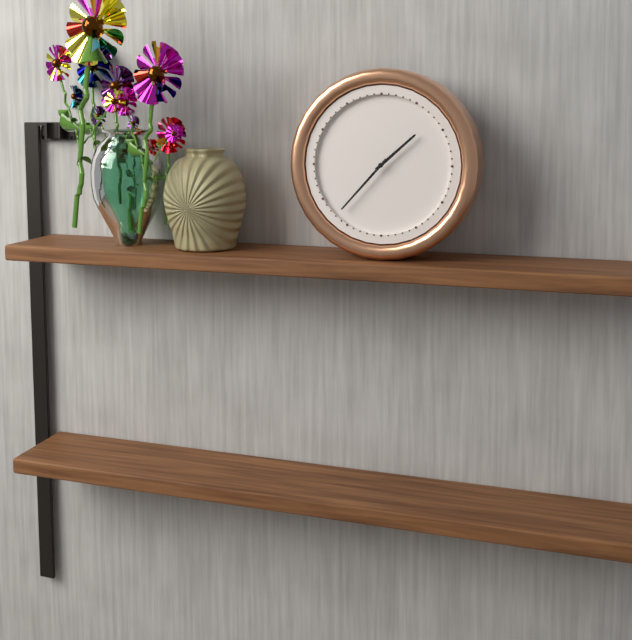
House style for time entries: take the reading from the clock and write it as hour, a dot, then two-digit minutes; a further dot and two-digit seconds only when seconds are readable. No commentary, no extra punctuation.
1.37
